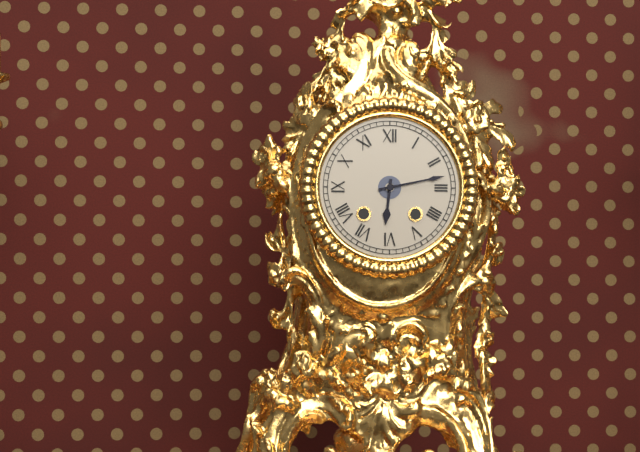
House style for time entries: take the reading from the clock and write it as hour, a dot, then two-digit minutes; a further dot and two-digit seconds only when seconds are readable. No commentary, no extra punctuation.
6.13
